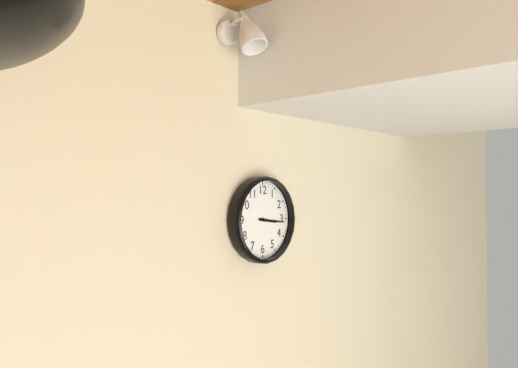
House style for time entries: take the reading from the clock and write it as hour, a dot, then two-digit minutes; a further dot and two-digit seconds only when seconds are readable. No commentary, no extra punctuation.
3.16
